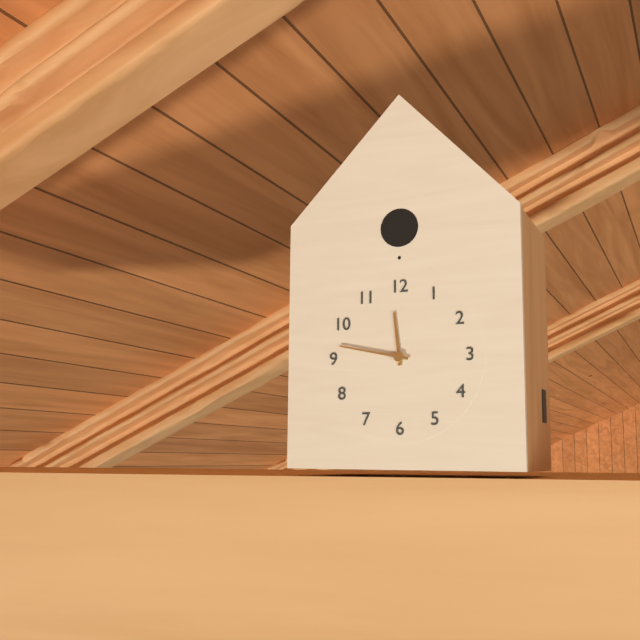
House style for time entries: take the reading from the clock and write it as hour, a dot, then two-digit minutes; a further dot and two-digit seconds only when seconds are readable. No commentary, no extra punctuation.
11.47
